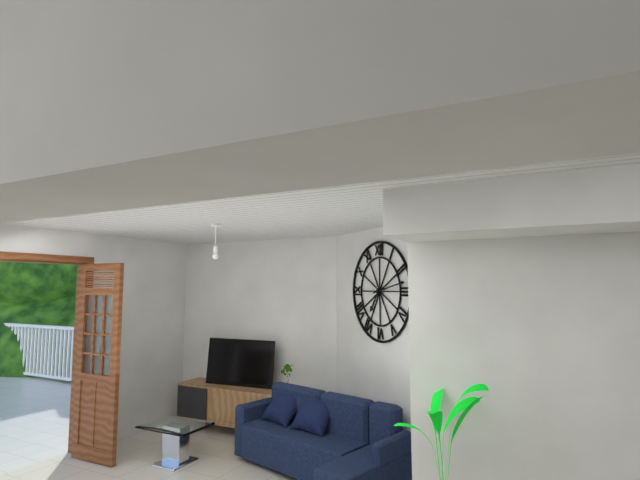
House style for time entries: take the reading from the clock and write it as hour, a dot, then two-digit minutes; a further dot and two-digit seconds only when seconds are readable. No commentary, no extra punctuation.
7.13
